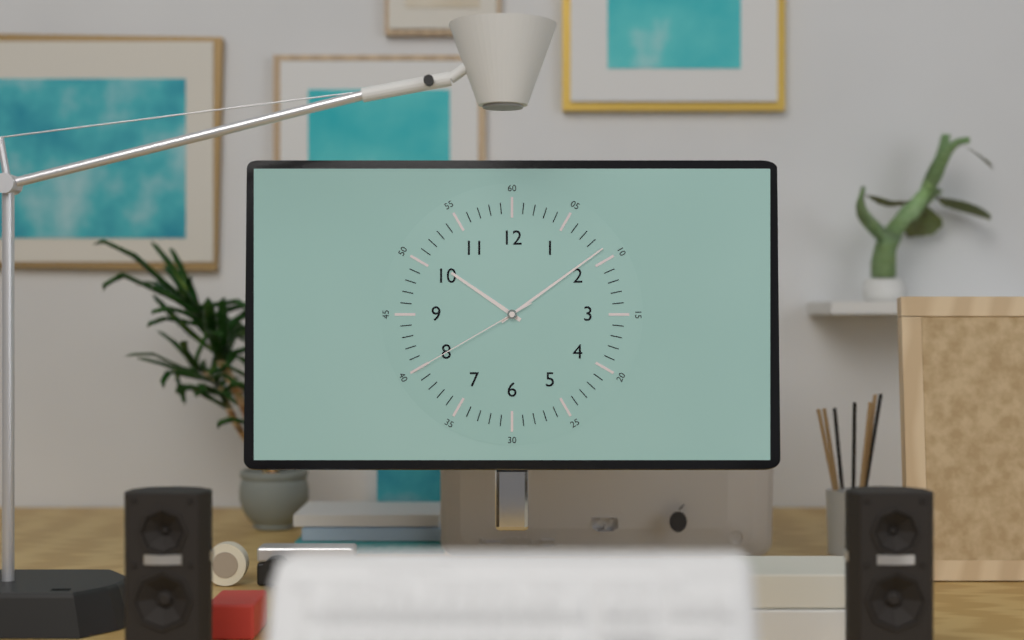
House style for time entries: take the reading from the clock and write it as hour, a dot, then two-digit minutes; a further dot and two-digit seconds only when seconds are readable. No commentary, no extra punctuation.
10.09.40
